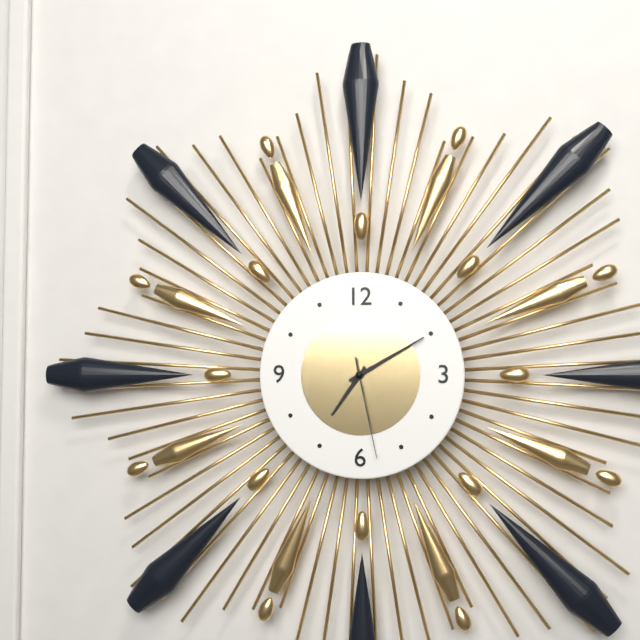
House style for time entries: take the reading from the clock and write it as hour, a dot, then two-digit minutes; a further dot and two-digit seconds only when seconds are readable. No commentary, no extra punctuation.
7.10.28
